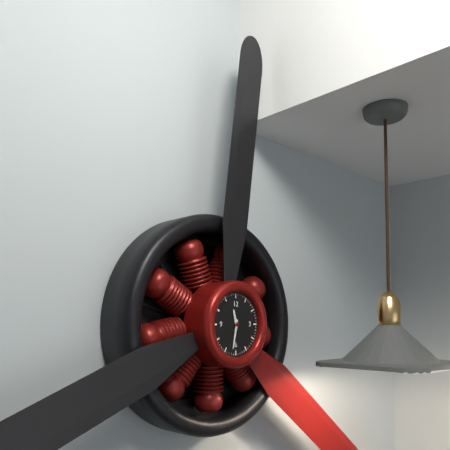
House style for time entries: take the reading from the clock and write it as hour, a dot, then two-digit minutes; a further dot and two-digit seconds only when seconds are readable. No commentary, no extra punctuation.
11.32
